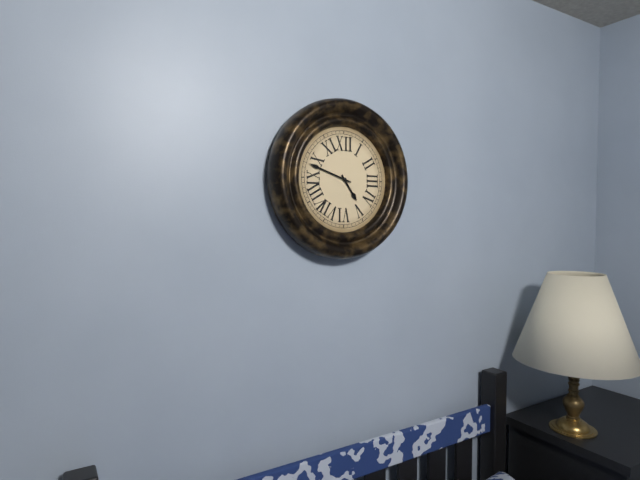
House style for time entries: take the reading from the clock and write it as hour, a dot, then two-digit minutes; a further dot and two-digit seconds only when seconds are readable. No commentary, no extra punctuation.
4.48
